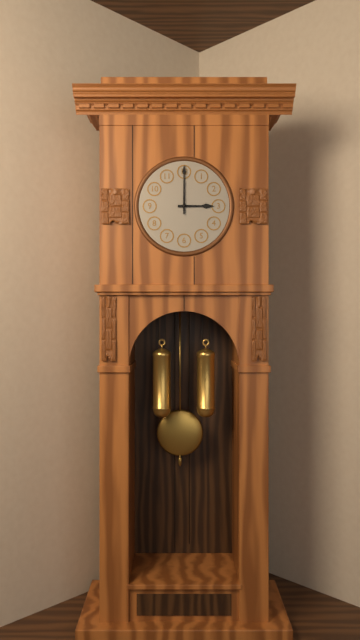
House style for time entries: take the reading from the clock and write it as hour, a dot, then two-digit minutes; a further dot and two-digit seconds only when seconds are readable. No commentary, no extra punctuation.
3.00
